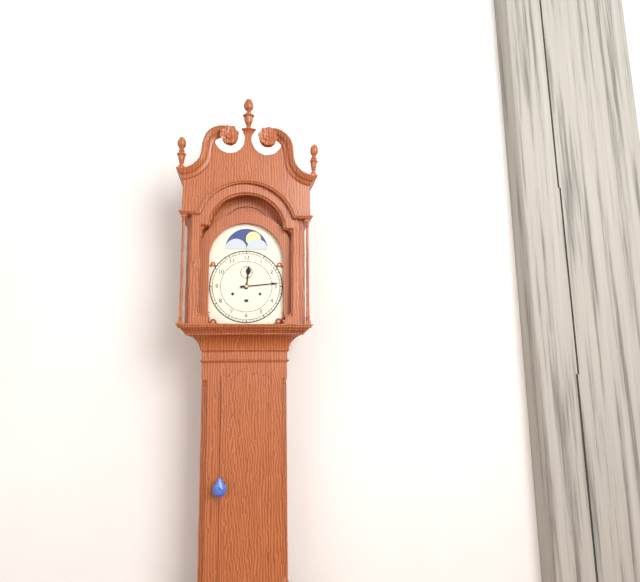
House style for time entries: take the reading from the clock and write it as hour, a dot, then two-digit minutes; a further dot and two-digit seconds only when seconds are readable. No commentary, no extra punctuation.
12.14
